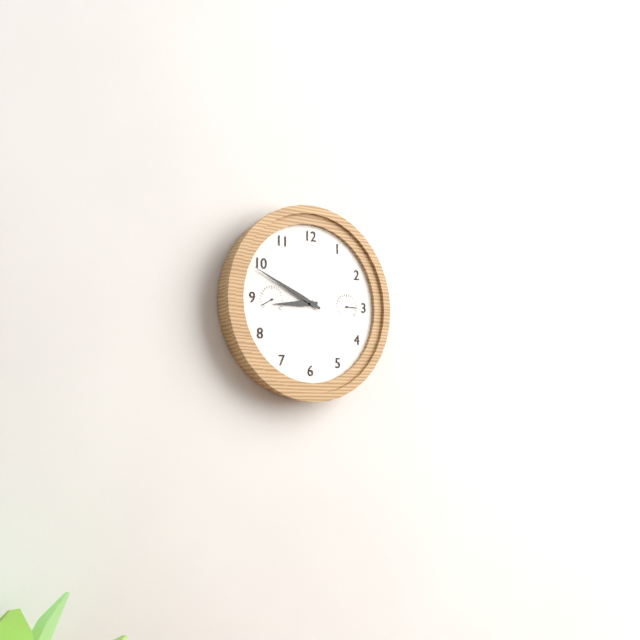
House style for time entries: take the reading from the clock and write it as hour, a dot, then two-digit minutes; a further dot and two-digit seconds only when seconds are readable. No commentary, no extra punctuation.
8.49
